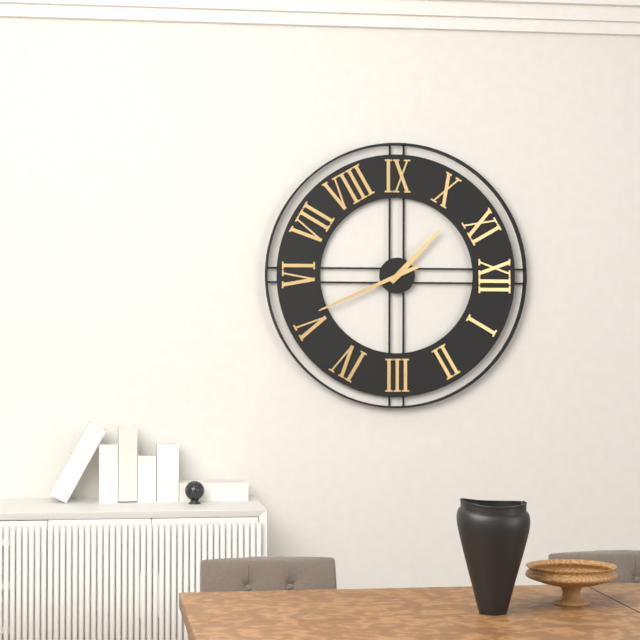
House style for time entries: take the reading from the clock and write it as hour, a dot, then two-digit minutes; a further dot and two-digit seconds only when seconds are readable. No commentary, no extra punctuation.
10.26
